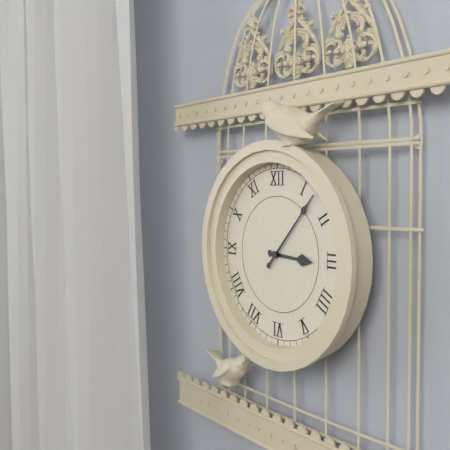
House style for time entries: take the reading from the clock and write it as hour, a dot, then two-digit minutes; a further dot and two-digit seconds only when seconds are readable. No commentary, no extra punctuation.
3.07
